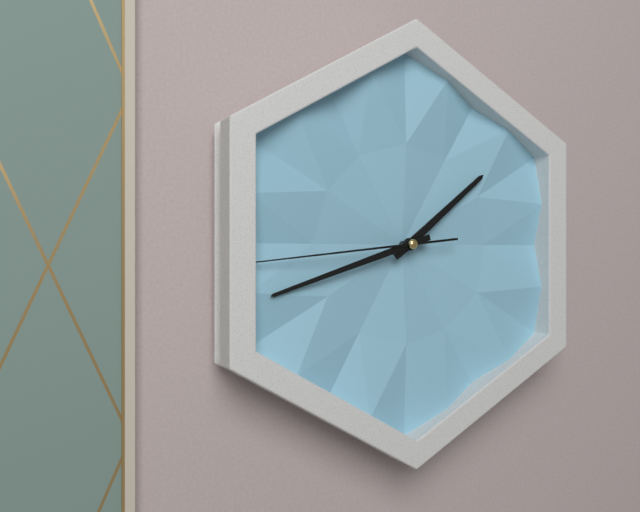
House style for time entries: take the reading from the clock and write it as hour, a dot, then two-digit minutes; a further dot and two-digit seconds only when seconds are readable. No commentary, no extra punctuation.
1.42.44
